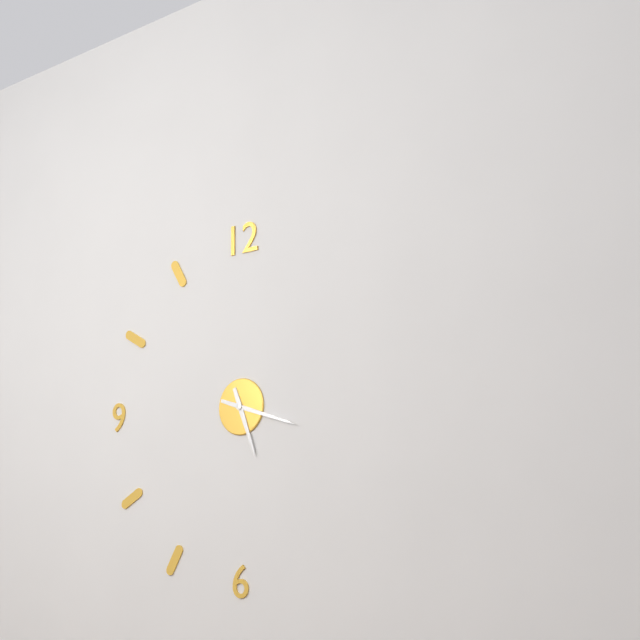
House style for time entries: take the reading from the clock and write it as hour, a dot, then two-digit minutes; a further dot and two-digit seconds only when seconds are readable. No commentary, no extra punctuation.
5.18
